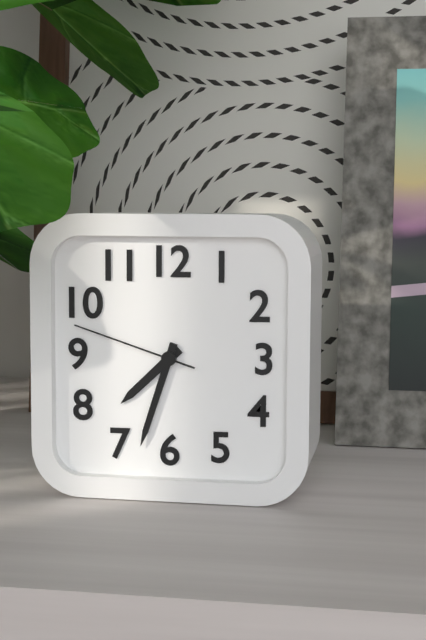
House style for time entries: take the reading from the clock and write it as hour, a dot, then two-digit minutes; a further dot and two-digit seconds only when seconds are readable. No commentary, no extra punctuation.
7.33.48
